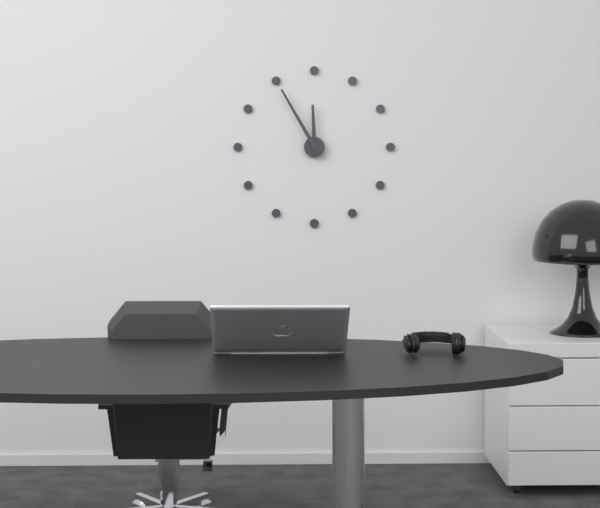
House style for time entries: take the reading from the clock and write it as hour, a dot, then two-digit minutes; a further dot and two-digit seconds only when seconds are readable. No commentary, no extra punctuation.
11.55
